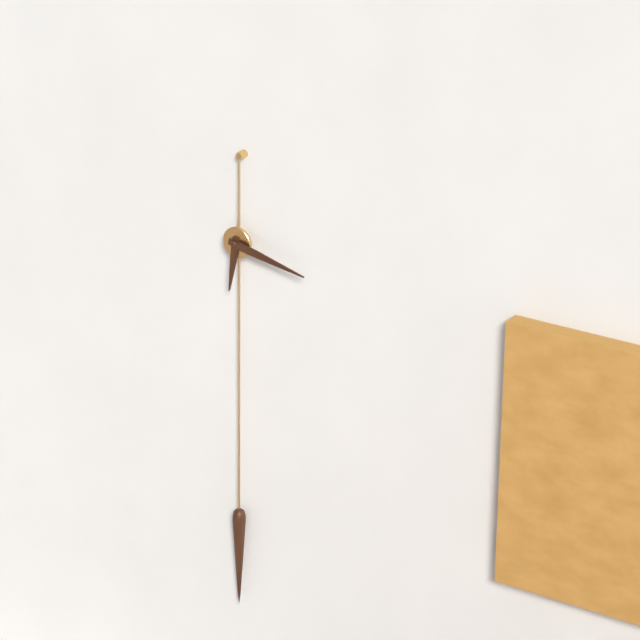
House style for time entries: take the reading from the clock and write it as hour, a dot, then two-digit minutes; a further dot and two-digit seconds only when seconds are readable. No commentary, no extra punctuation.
6.17
